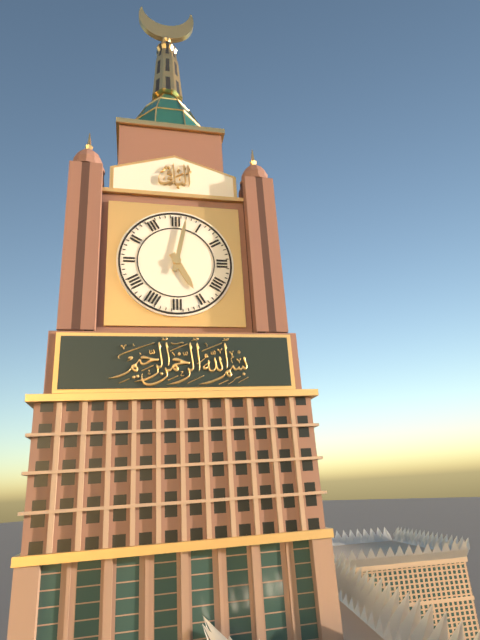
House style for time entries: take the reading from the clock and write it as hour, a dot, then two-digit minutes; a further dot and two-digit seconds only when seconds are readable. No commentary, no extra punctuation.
5.02
